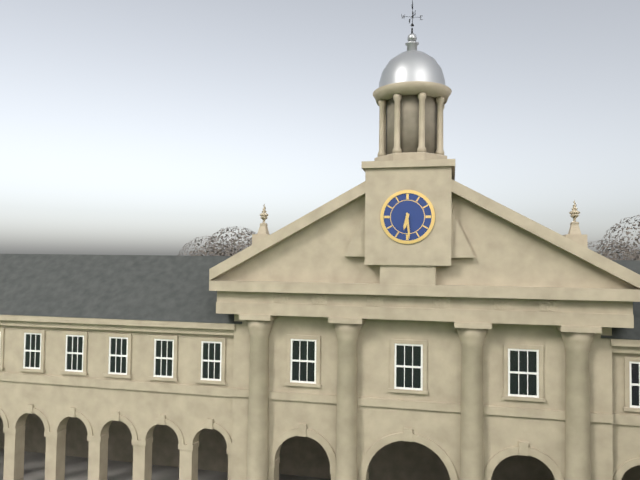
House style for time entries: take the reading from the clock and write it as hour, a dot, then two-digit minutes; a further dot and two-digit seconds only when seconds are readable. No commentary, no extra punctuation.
6.29
